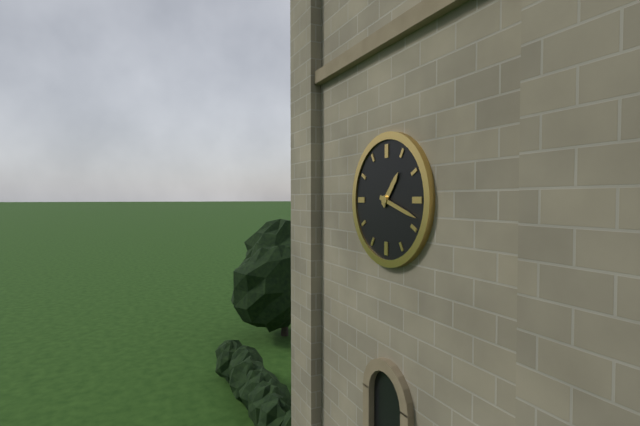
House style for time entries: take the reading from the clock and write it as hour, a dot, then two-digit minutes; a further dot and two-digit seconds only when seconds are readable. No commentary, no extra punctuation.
1.18
